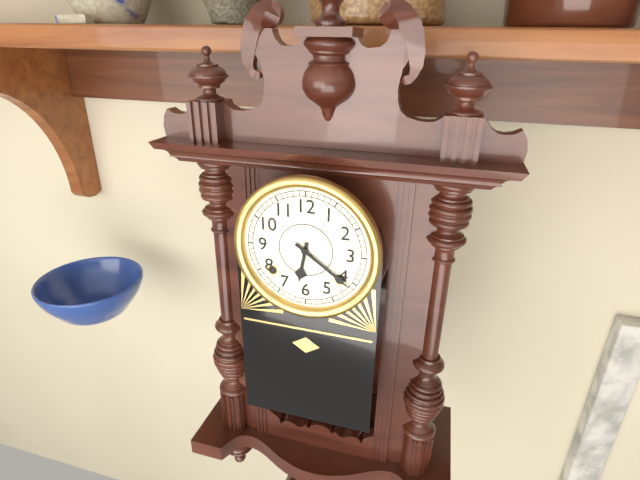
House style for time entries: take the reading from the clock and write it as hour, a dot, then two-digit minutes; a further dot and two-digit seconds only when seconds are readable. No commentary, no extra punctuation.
6.21
